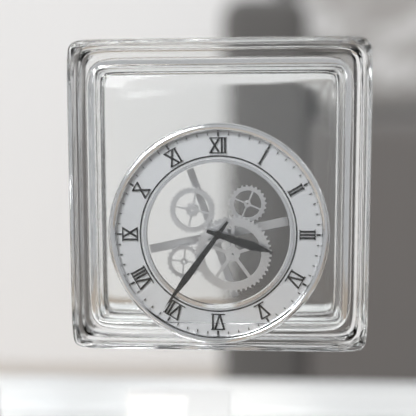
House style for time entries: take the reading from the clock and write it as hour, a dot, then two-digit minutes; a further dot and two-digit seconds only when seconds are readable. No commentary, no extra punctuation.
3.36
